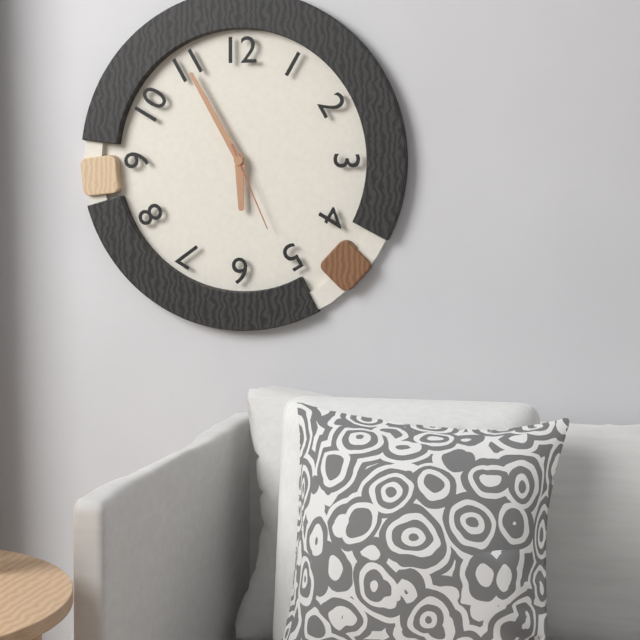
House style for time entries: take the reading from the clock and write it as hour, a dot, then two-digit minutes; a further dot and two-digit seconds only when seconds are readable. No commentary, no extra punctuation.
5.55.26
